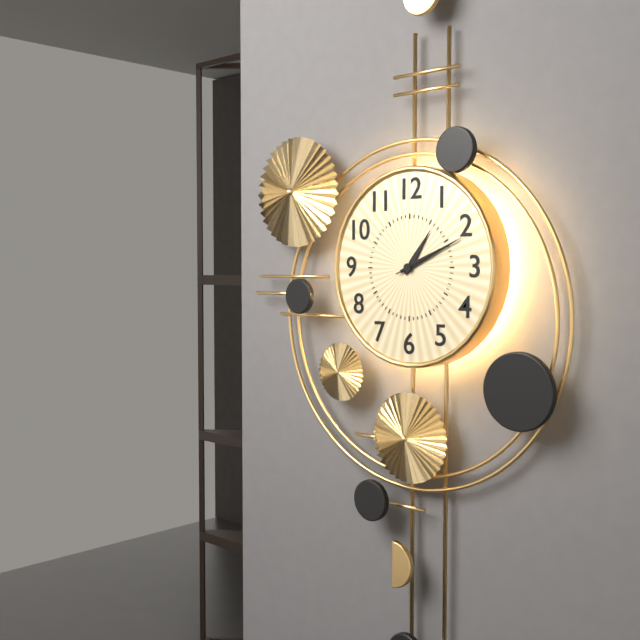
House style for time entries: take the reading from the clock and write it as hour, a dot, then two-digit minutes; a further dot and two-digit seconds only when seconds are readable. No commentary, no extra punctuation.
1.11.11
